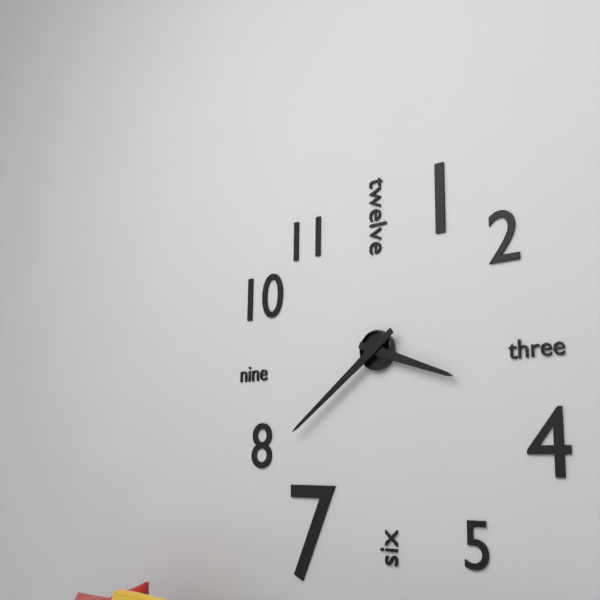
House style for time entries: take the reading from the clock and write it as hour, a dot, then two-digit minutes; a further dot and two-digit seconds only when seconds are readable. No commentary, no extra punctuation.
3.39
